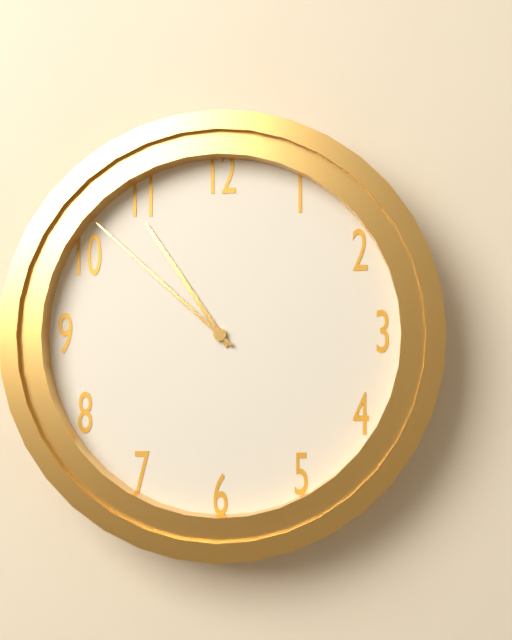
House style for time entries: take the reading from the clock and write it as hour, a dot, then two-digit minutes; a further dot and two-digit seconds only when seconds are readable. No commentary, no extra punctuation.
10.52
